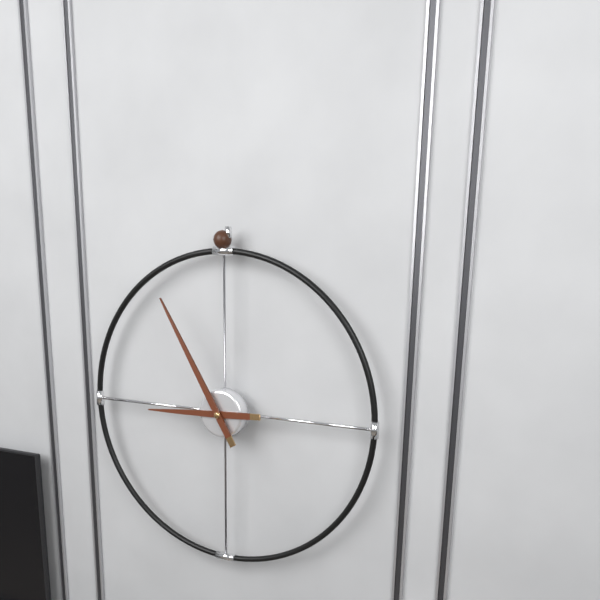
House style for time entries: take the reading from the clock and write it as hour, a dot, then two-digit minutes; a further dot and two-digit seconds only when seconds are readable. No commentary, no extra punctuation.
8.55
